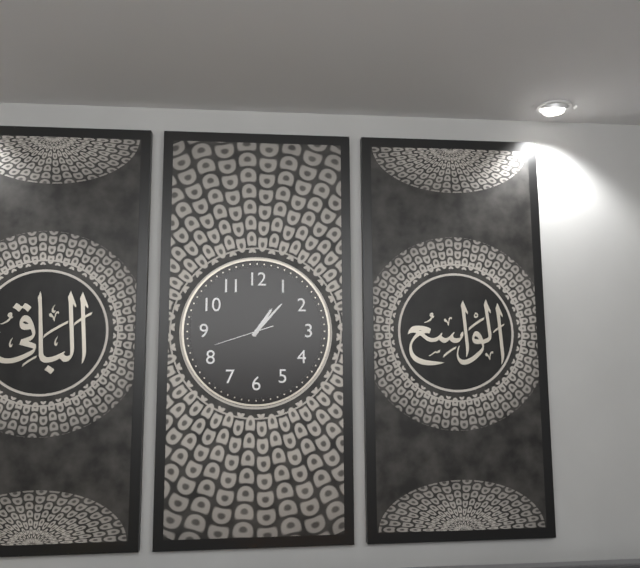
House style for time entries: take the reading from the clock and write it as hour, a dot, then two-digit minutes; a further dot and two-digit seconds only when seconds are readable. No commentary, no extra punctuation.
1.07.42
